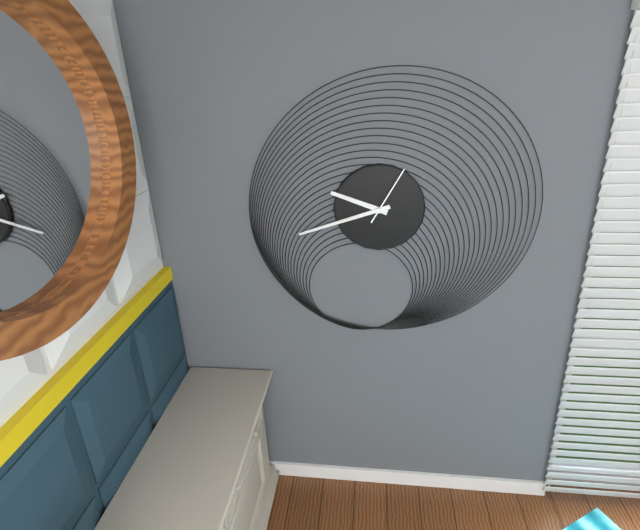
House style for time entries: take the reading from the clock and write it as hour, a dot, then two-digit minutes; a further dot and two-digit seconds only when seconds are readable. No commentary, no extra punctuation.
9.42.05
